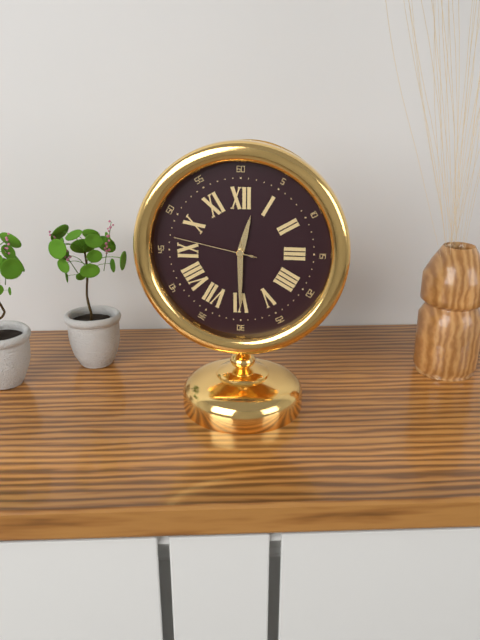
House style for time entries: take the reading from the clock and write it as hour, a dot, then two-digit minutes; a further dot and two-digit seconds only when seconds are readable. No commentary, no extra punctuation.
12.30.47
